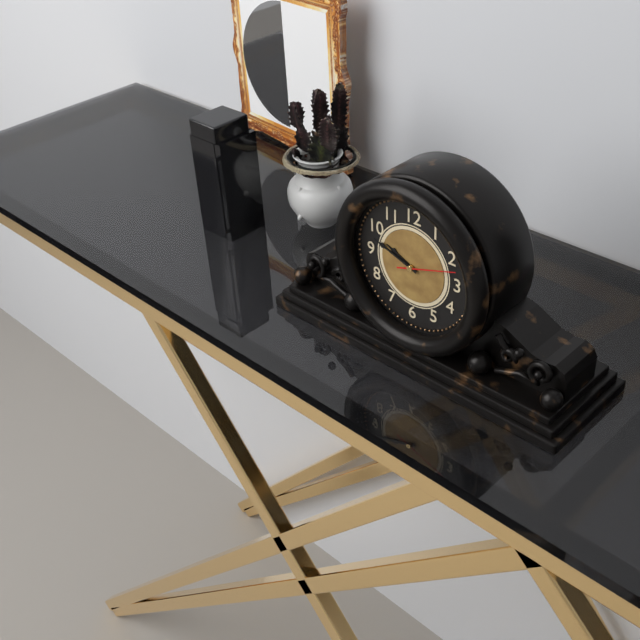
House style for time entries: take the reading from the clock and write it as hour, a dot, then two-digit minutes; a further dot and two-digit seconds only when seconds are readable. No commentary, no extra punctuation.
9.48.12
